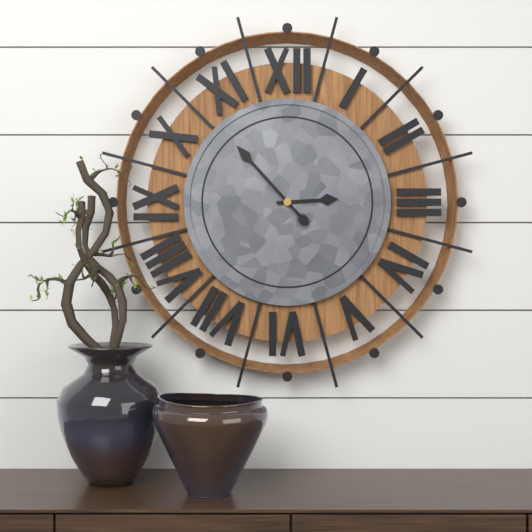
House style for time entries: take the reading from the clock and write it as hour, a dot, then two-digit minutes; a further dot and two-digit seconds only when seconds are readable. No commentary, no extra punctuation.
2.53
